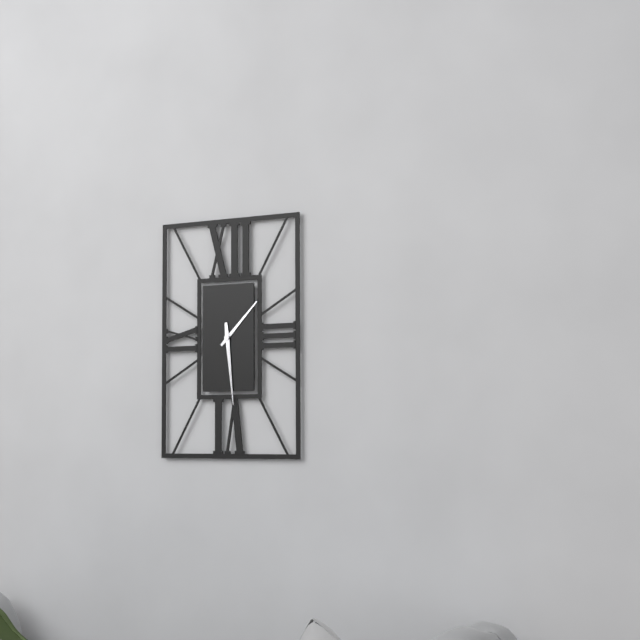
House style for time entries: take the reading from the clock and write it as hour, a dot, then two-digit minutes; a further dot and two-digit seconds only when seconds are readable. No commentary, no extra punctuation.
1.29
